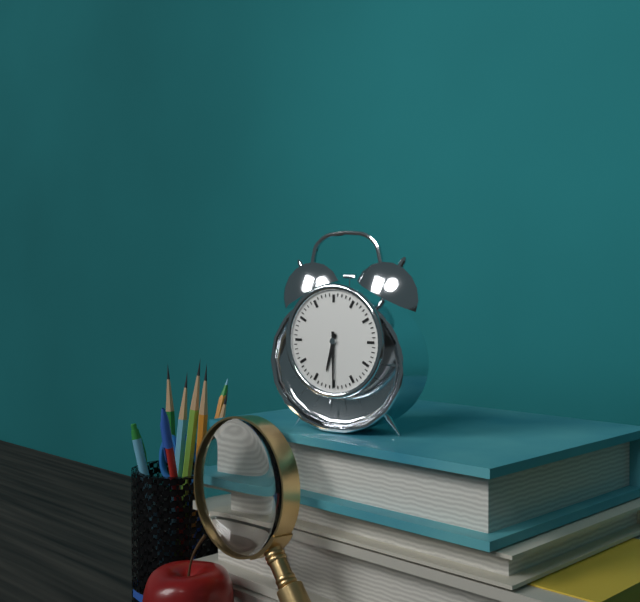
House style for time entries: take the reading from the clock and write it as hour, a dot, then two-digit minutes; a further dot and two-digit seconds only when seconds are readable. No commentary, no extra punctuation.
6.30
